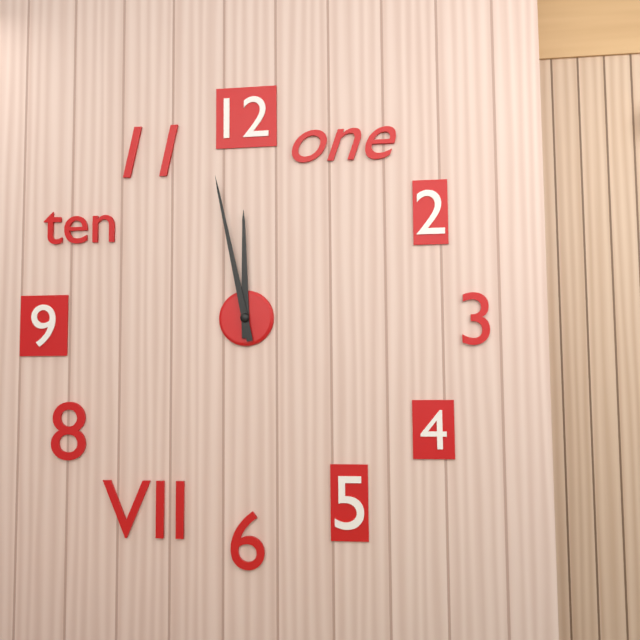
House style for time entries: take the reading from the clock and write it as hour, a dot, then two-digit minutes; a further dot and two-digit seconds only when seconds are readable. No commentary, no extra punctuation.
11.58
